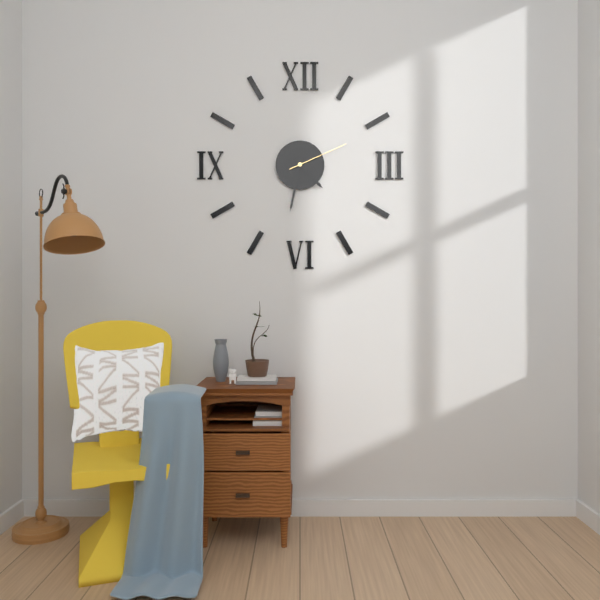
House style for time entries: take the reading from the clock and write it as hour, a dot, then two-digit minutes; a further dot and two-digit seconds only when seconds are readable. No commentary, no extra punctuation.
4.32.11
